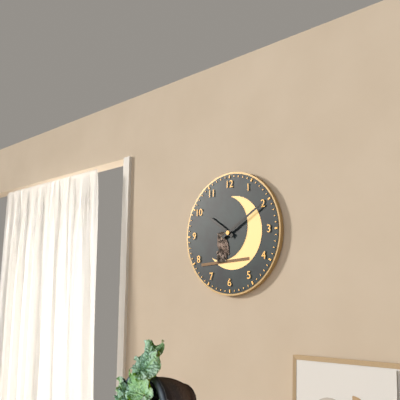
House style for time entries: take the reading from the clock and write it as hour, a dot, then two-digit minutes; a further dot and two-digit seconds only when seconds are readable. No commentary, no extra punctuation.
10.10
